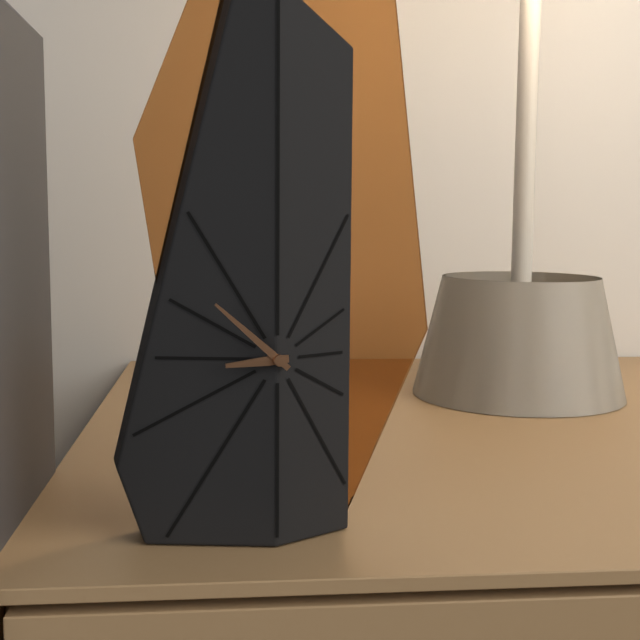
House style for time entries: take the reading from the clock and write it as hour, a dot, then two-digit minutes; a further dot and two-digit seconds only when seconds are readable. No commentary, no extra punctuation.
8.52
